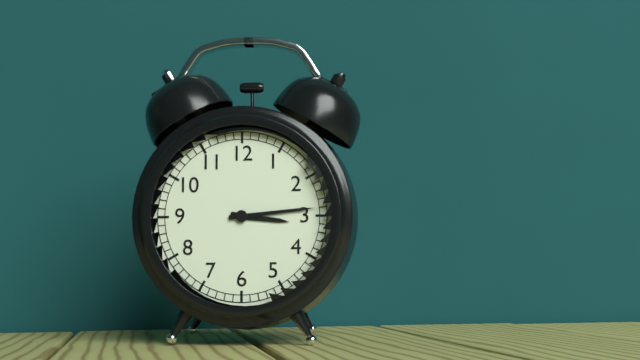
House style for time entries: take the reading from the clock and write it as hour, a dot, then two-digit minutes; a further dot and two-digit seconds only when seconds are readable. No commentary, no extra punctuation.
3.14
